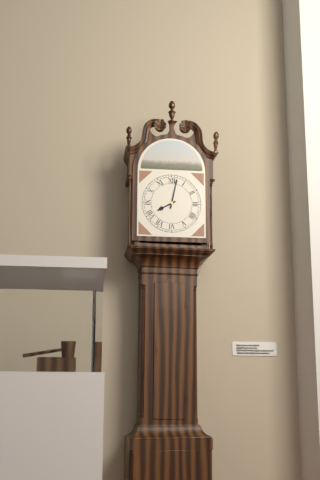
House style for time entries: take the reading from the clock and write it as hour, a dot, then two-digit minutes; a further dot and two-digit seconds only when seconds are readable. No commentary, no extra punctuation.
8.02
